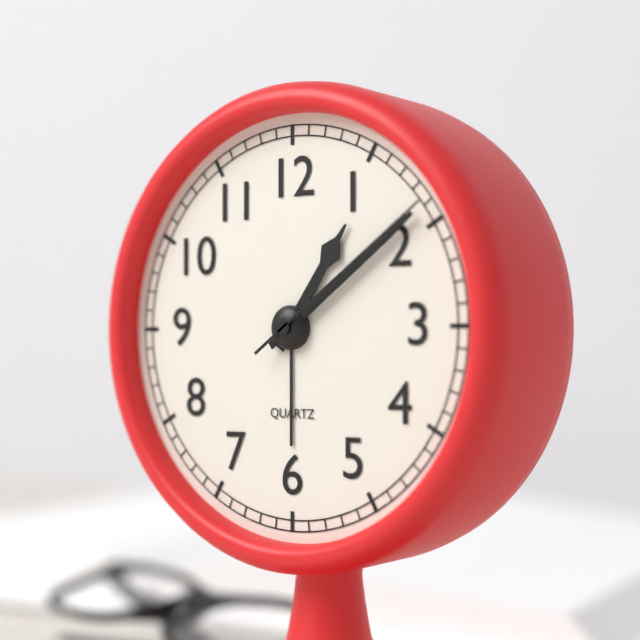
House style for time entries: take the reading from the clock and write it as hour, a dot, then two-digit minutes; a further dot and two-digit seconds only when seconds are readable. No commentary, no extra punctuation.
1.09.09
